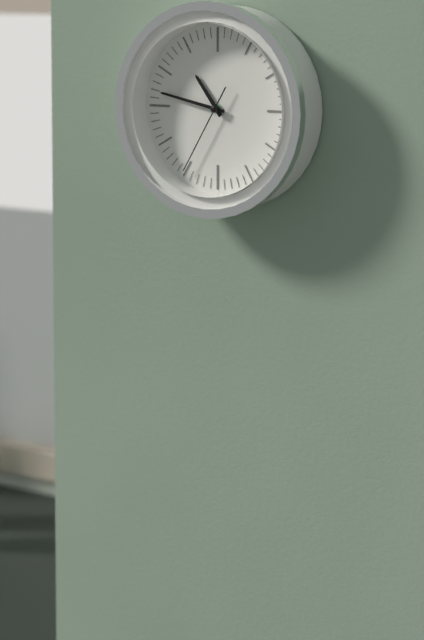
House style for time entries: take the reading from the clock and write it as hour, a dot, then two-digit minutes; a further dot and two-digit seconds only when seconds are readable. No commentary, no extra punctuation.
10.47.35
